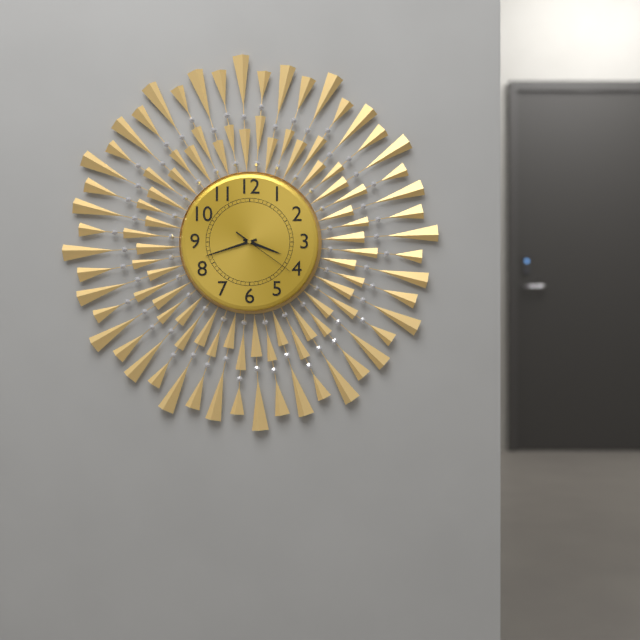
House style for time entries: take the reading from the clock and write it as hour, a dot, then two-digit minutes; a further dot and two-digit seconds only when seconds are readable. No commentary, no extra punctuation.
3.42.21
